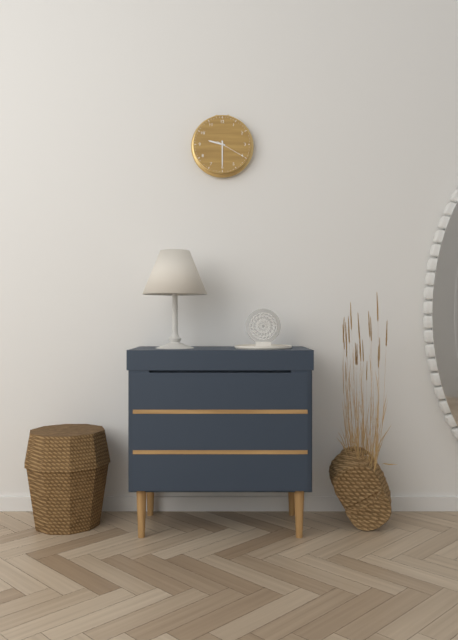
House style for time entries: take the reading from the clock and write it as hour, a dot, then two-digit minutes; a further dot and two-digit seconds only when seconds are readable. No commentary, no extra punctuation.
9.30
